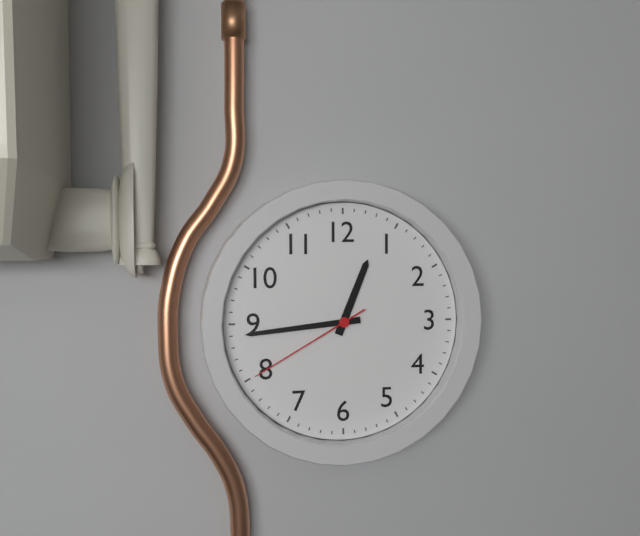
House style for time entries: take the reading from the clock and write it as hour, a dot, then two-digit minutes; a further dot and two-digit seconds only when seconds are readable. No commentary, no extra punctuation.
12.44.40
